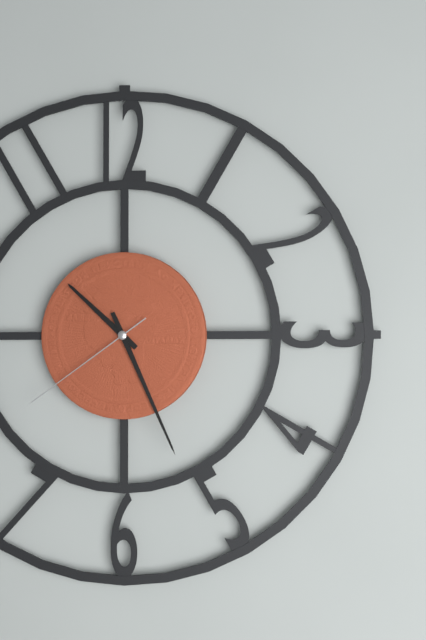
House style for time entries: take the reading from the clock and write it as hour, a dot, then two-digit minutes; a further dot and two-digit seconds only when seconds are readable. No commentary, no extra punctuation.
10.26.39
